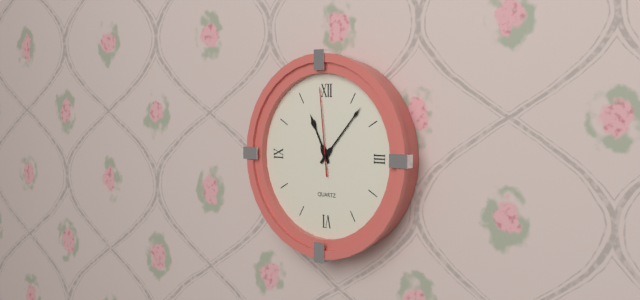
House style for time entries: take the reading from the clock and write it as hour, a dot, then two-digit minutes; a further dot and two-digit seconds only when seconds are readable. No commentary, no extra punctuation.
11.07.59
